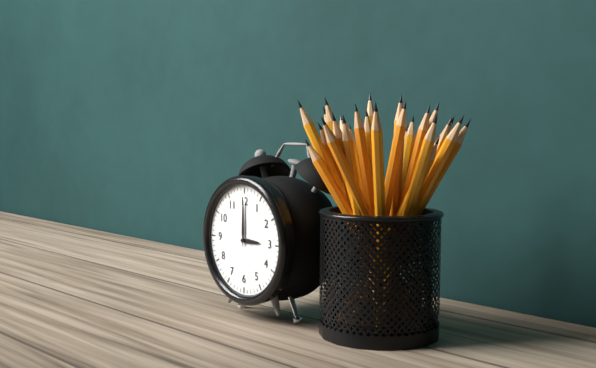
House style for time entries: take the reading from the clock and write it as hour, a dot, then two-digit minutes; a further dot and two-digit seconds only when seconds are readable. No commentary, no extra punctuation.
3.00
